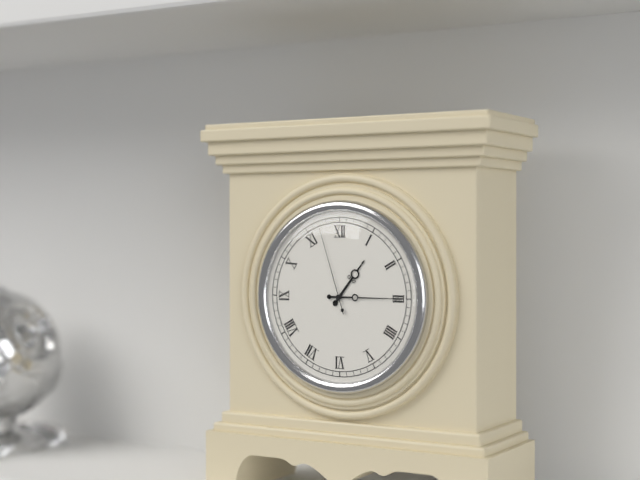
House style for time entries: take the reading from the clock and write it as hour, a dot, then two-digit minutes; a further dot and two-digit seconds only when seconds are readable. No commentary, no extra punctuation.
1.15.57
